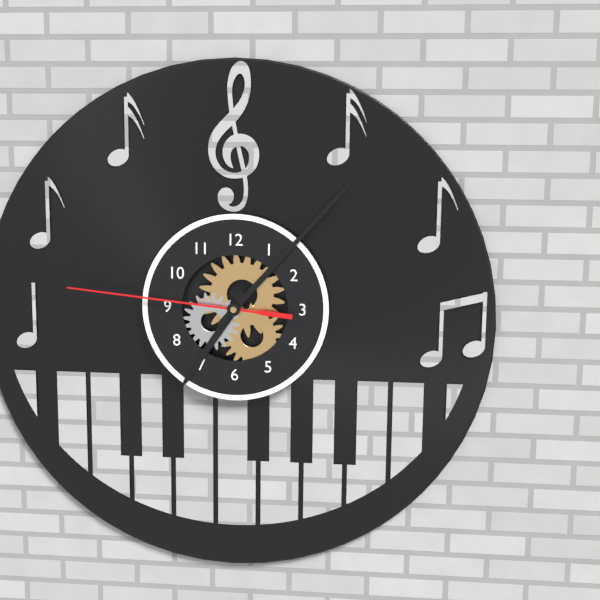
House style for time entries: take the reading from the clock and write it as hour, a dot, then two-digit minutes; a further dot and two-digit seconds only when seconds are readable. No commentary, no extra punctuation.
7.07.46
